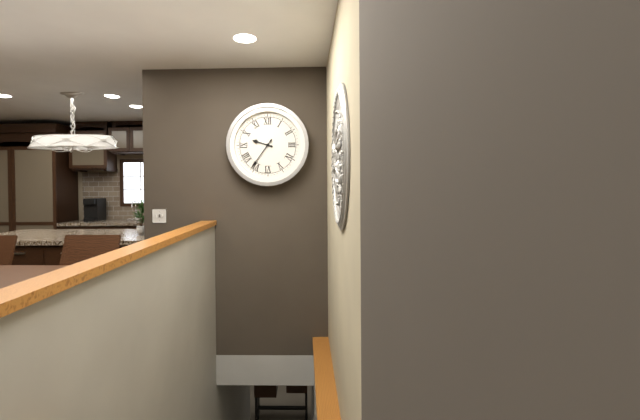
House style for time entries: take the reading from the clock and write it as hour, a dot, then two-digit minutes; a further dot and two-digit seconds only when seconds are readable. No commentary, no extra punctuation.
9.36
